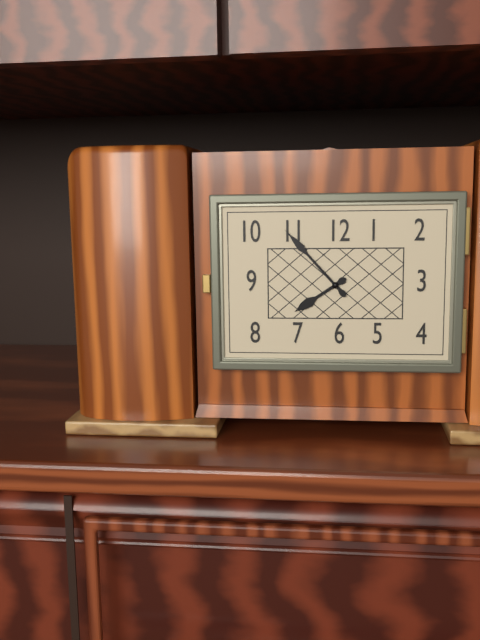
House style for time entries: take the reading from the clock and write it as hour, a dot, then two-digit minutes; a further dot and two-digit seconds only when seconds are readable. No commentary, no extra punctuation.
7.53
